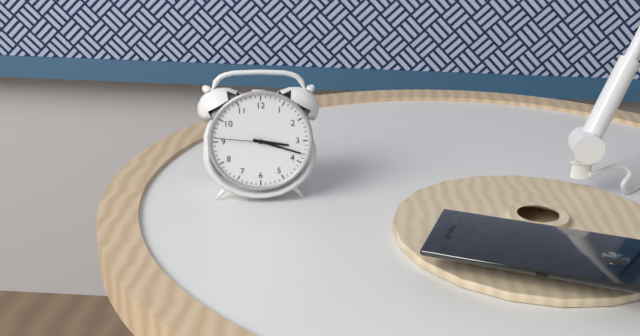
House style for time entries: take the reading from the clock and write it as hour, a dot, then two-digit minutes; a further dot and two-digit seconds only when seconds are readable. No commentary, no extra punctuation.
3.18.46
